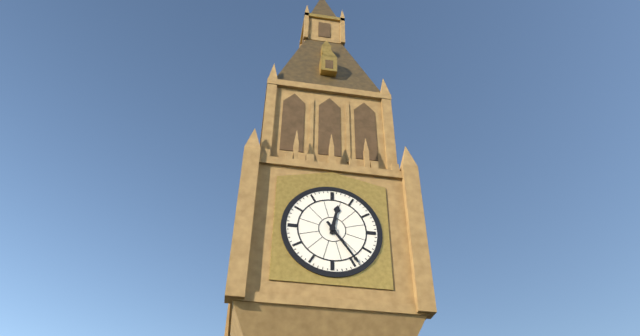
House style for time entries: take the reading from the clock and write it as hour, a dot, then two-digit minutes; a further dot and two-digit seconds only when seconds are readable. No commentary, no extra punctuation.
12.24
